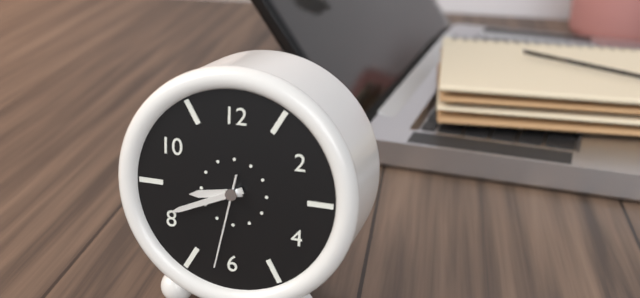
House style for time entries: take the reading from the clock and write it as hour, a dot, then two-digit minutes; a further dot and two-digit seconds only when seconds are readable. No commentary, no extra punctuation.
8.41.32
